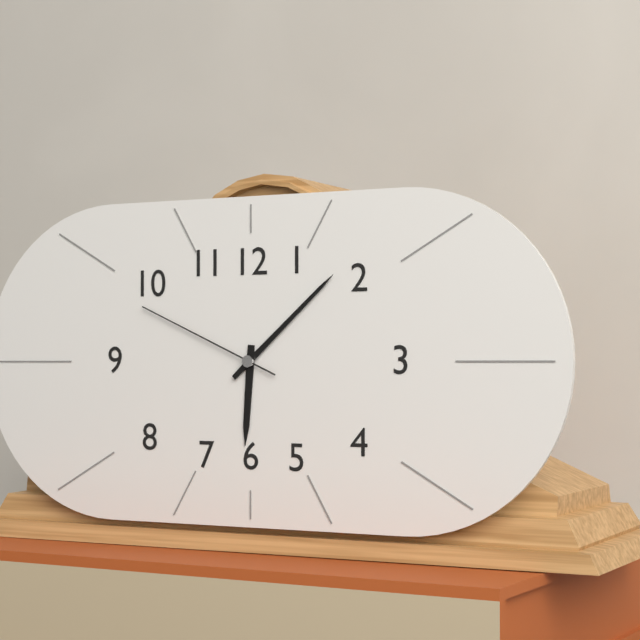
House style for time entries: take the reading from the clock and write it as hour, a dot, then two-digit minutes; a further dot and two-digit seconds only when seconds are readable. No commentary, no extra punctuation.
6.08.49
